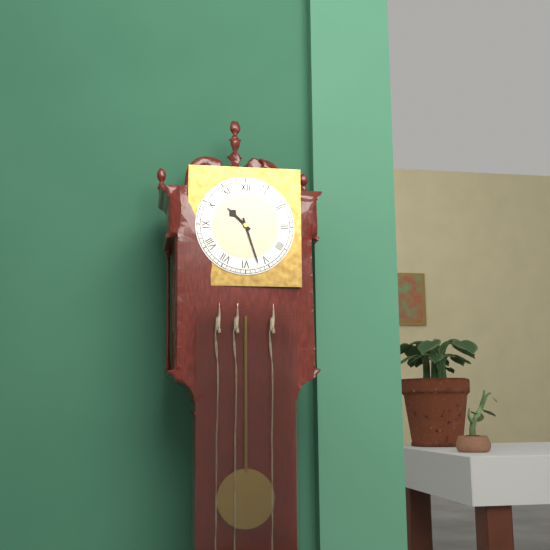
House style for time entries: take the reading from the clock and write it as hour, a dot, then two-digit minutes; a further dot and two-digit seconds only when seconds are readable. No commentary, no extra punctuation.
10.27
